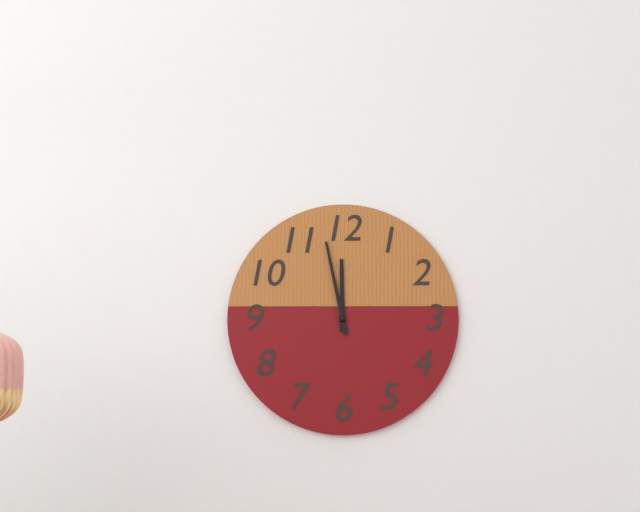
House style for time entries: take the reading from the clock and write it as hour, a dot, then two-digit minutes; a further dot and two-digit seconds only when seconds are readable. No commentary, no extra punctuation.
11.58
